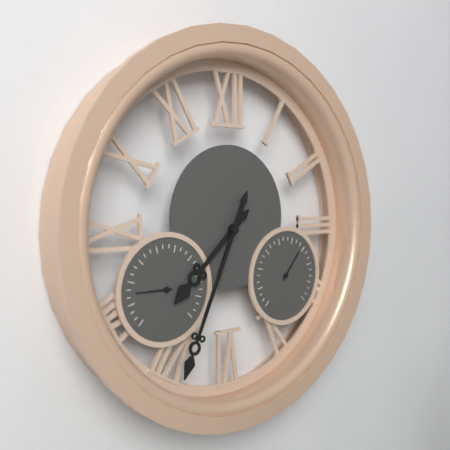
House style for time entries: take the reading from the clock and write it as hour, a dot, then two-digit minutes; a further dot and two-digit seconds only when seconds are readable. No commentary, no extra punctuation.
7.34
